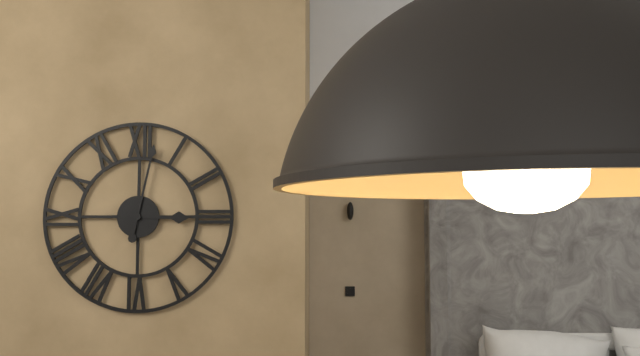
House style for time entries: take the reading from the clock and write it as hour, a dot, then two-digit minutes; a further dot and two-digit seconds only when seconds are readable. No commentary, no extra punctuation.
3.02
